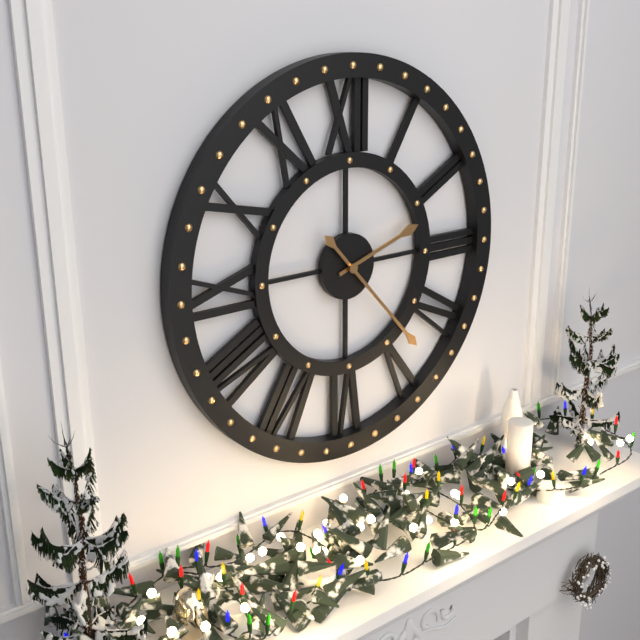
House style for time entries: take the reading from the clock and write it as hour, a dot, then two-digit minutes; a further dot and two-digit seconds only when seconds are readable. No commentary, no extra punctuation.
2.23
